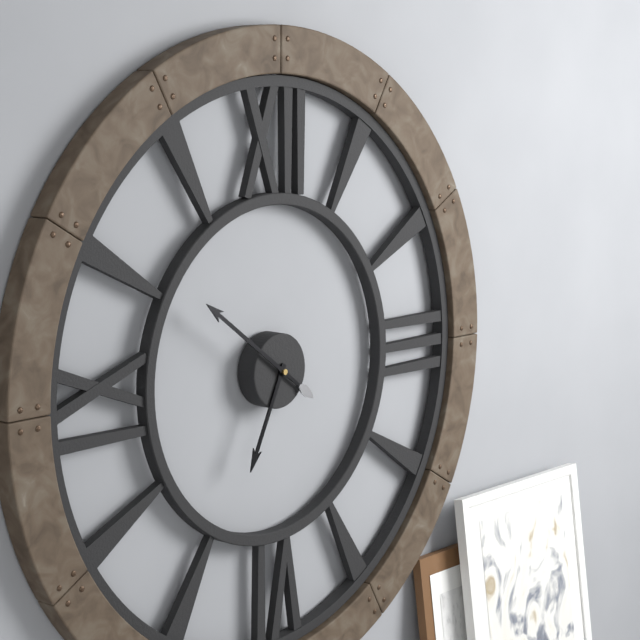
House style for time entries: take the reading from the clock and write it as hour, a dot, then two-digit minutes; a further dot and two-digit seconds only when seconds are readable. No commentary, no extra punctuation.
6.51
